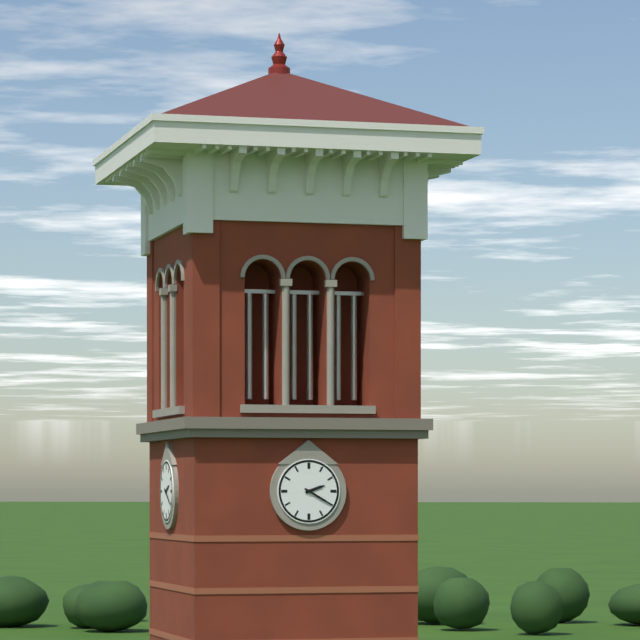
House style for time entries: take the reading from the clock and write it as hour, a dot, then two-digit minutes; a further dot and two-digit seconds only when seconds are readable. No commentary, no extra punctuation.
2.20
